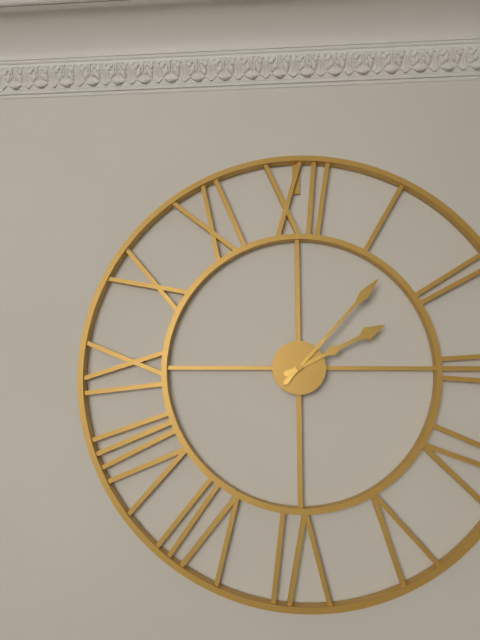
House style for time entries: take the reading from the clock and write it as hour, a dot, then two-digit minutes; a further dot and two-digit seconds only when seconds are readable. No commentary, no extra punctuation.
2.07
